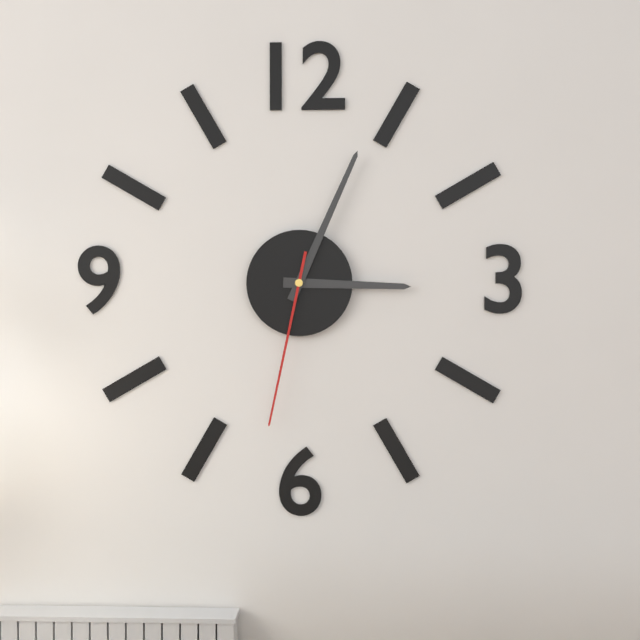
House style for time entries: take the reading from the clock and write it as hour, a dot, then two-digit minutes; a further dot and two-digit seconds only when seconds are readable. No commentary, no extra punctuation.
3.04.32
